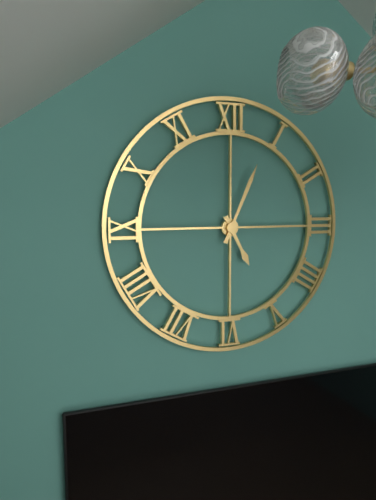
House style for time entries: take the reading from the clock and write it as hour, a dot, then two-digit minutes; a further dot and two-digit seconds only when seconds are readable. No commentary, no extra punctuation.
5.04
